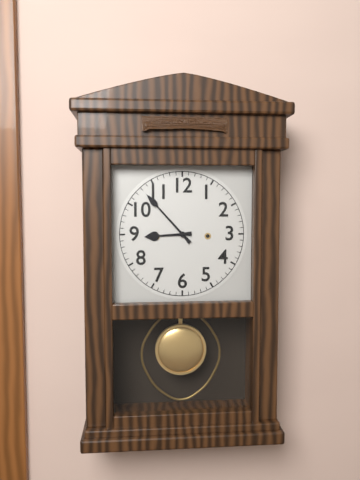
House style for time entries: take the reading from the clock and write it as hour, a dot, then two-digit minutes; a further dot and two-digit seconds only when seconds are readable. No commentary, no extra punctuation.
8.53
